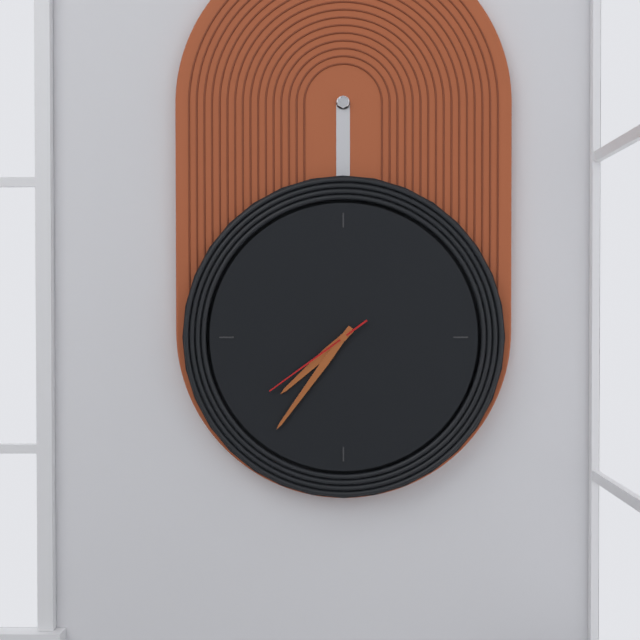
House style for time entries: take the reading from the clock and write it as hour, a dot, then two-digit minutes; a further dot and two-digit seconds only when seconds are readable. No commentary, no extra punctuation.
7.36.39
